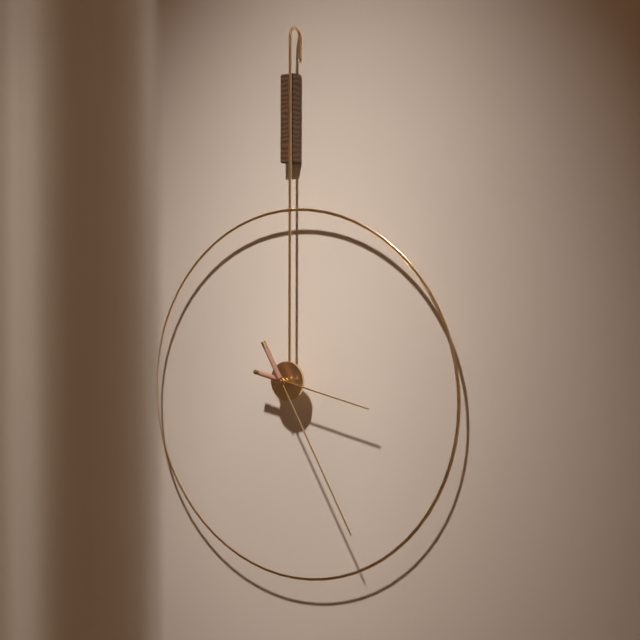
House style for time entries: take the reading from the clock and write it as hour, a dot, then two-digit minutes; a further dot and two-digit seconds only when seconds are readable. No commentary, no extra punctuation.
3.25
